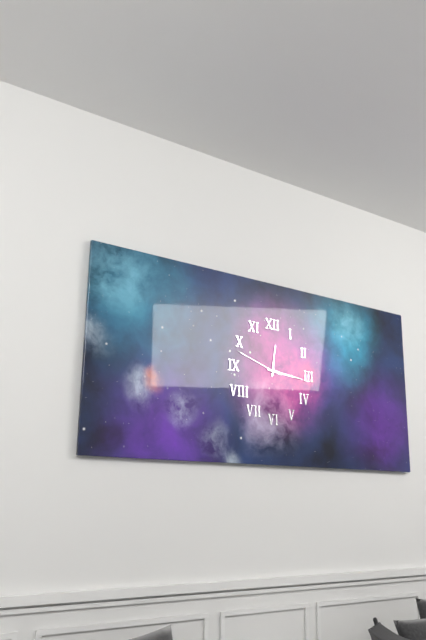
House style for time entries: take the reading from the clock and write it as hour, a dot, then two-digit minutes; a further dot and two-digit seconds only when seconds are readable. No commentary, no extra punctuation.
12.16
